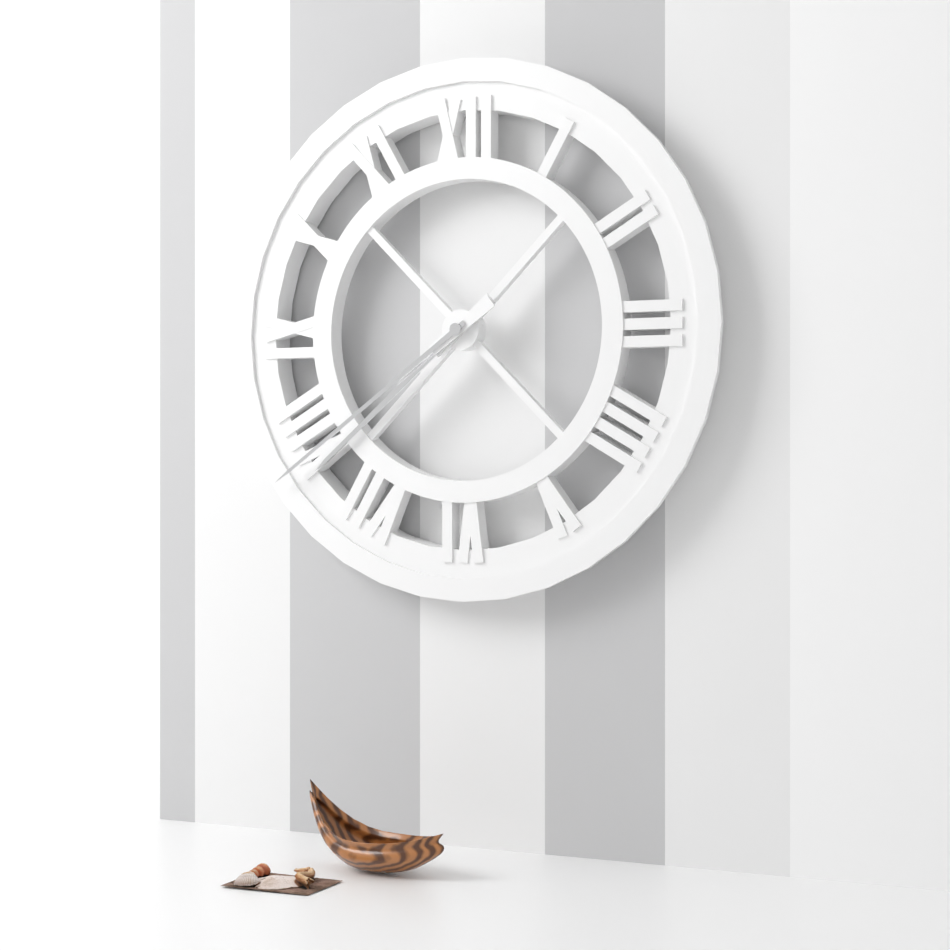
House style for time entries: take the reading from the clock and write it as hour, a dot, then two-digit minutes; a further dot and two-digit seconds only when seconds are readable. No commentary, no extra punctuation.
7.39
